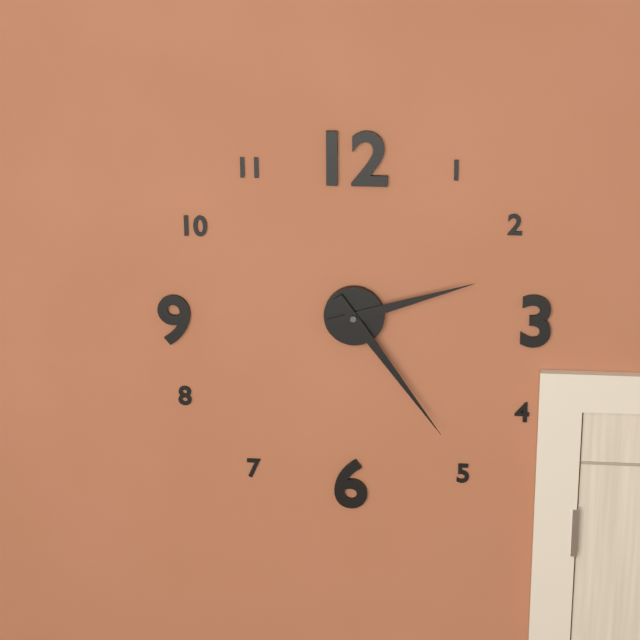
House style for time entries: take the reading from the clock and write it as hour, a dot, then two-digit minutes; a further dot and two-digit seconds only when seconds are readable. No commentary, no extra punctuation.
2.24
